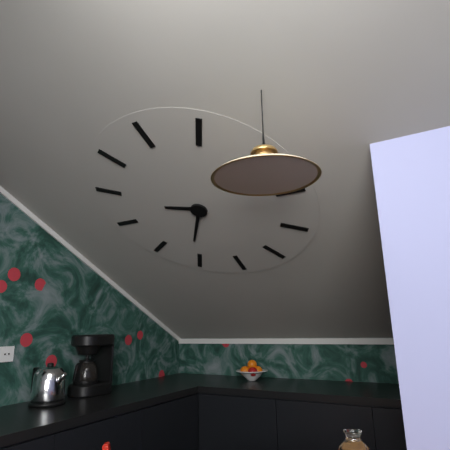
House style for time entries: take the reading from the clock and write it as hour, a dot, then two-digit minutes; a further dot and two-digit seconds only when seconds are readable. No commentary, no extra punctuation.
9.36
